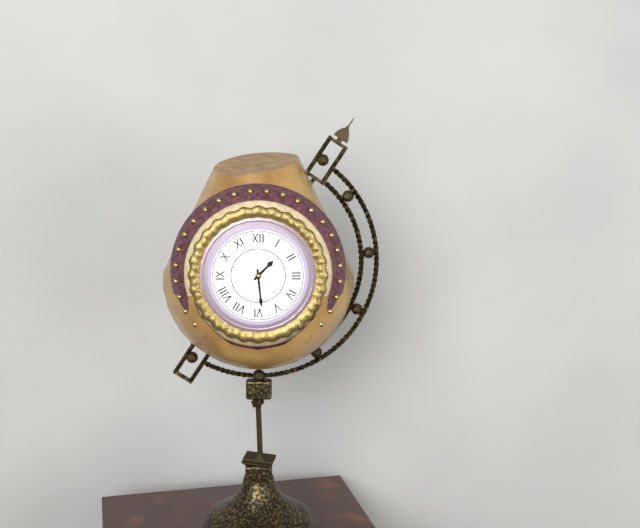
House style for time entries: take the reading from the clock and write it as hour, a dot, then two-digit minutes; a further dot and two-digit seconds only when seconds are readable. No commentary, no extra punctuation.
1.29
